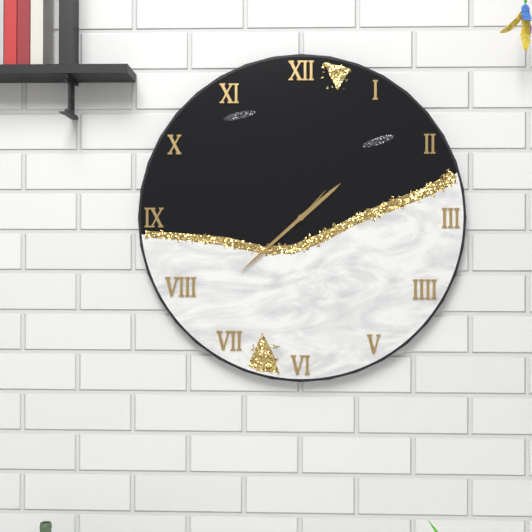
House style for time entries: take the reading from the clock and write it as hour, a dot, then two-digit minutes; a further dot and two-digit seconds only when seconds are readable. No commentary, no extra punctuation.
1.38
